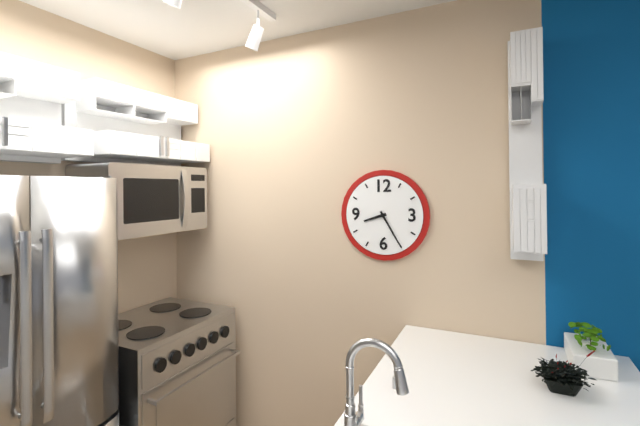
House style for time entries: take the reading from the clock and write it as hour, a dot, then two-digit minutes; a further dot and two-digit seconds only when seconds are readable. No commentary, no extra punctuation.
8.25
